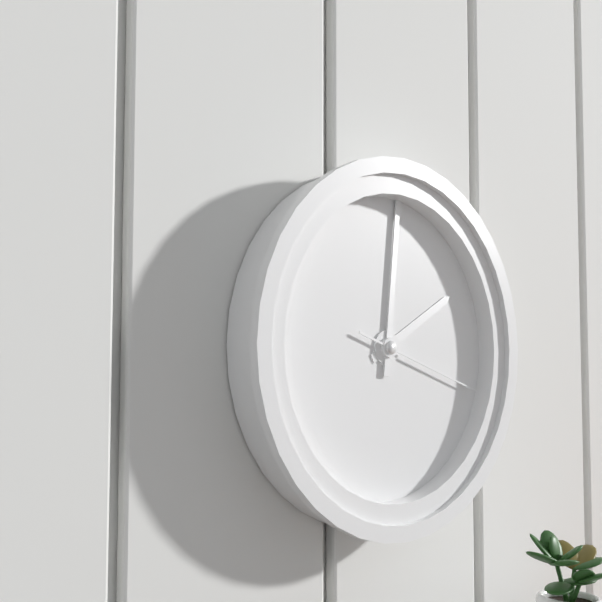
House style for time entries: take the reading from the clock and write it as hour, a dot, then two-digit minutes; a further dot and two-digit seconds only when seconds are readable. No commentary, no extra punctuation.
2.01.18
